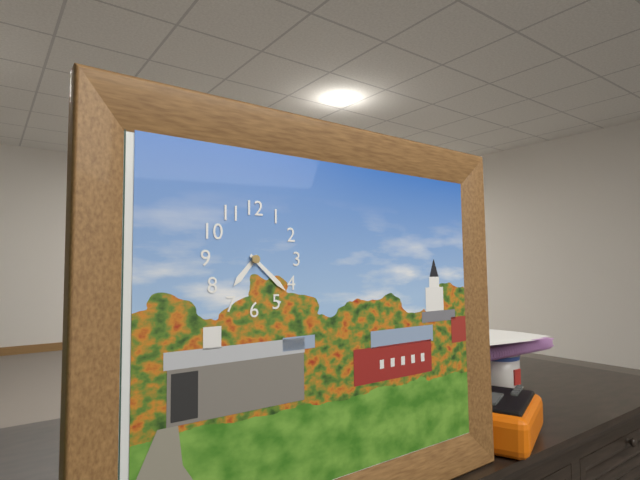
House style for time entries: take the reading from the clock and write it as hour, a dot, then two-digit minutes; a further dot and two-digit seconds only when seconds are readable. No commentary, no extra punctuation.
7.22
